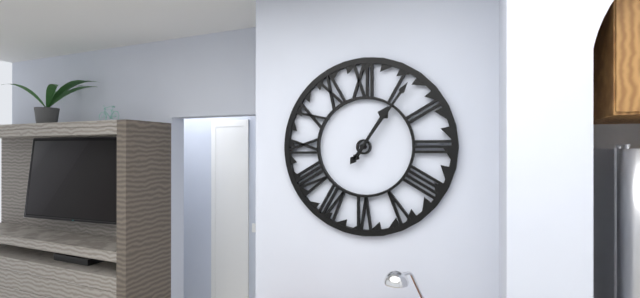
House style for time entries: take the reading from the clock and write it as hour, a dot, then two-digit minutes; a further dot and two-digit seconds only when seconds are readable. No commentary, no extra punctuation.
1.06
